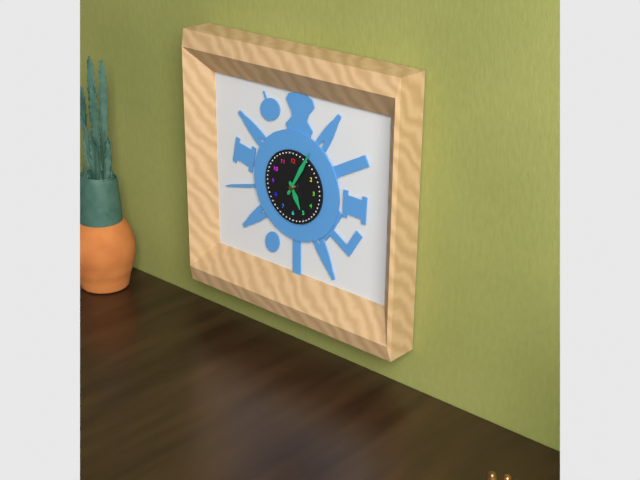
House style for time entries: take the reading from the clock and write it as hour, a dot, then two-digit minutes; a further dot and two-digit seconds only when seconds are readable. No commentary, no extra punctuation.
5.05
